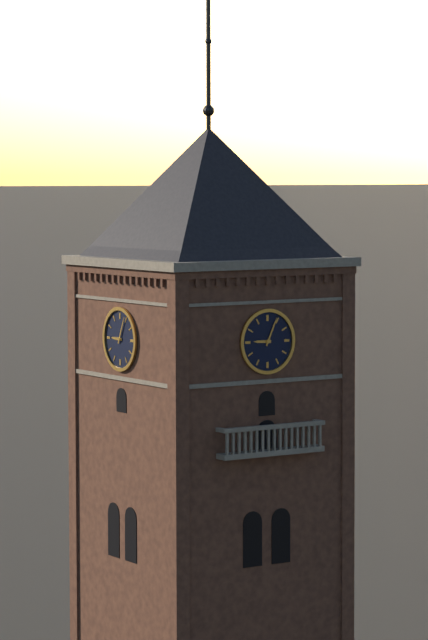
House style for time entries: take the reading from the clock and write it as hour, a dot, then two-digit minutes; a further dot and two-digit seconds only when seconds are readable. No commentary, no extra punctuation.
9.04
